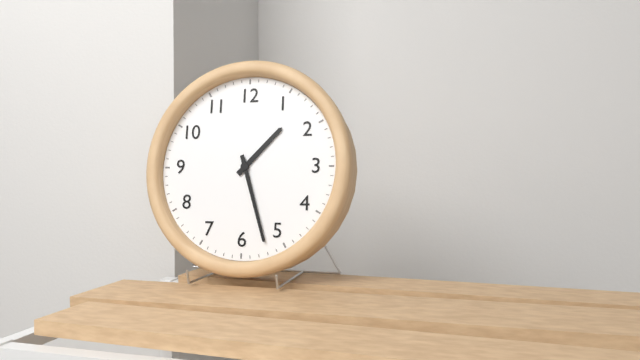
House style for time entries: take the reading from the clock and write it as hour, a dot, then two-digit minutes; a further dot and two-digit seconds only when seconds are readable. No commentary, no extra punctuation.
1.27
